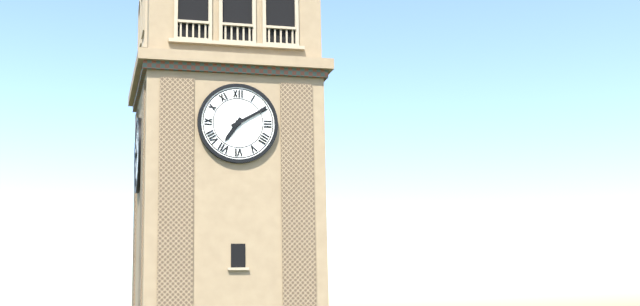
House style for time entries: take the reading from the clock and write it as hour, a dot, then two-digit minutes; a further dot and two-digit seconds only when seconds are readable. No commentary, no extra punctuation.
7.10
